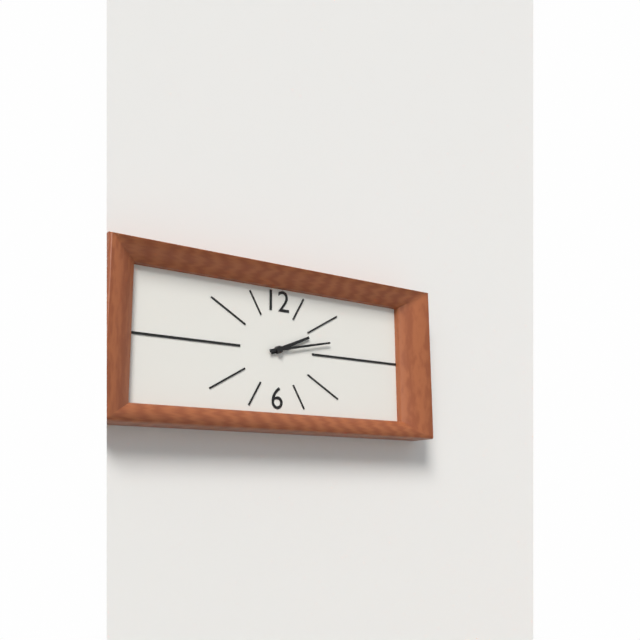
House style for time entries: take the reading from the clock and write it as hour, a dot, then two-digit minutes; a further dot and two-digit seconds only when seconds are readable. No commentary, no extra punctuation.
2.13
